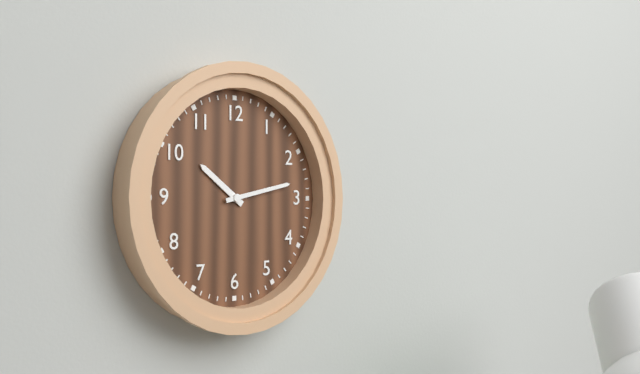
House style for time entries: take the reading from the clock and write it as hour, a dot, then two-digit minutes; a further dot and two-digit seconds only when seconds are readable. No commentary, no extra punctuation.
10.13
